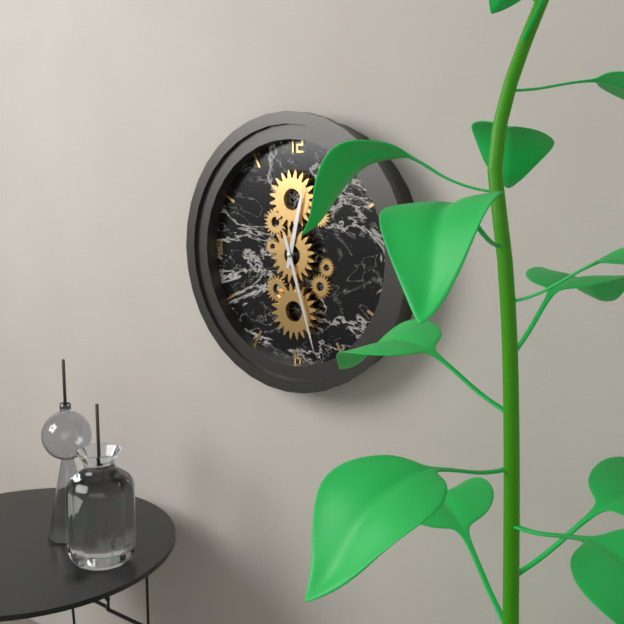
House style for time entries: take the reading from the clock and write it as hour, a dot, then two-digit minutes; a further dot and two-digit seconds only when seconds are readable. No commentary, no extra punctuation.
12.27
